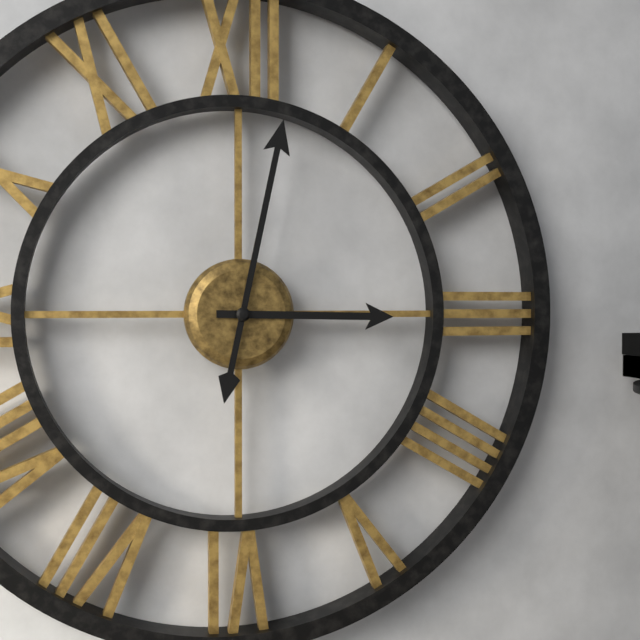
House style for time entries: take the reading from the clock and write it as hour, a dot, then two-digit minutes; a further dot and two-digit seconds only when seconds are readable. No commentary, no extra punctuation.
3.02
